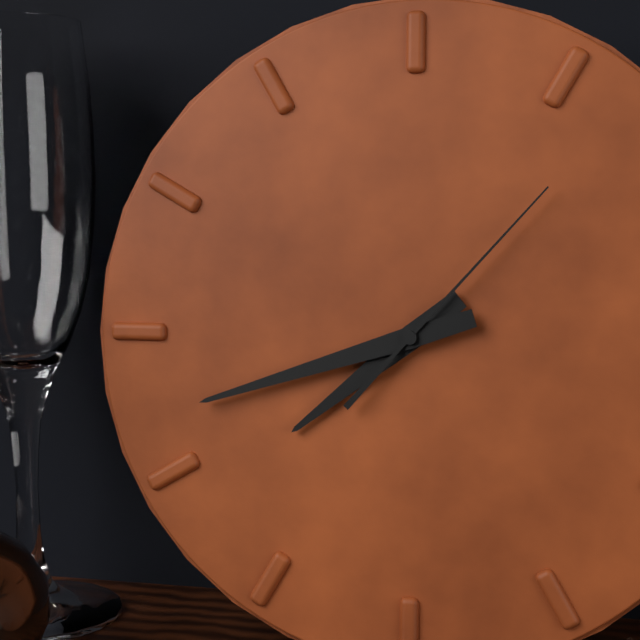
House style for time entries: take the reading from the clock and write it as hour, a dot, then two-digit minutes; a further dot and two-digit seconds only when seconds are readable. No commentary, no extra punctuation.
7.42.07
